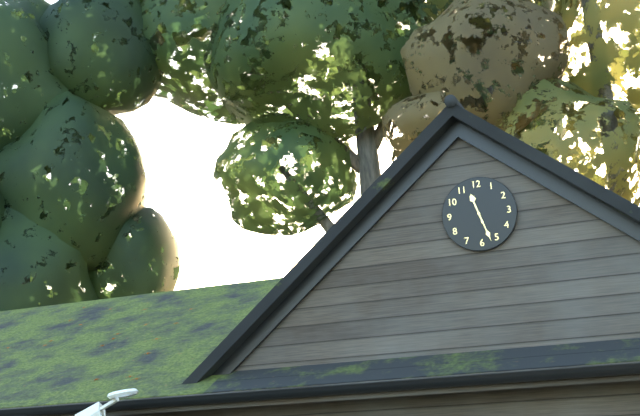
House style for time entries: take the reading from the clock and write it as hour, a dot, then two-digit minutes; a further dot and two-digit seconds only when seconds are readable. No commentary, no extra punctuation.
11.27
